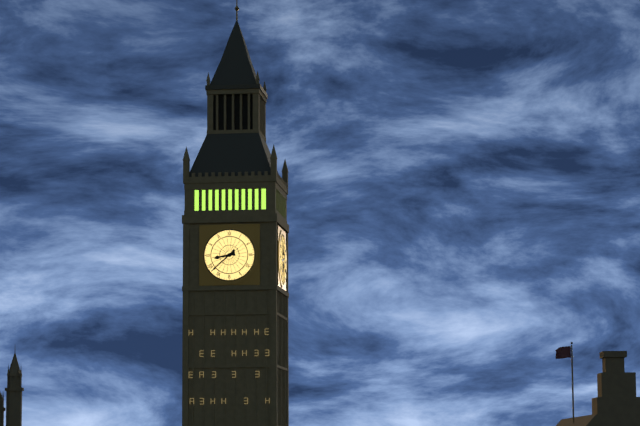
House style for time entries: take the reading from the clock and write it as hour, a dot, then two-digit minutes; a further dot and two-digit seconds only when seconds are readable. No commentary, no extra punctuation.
8.38
